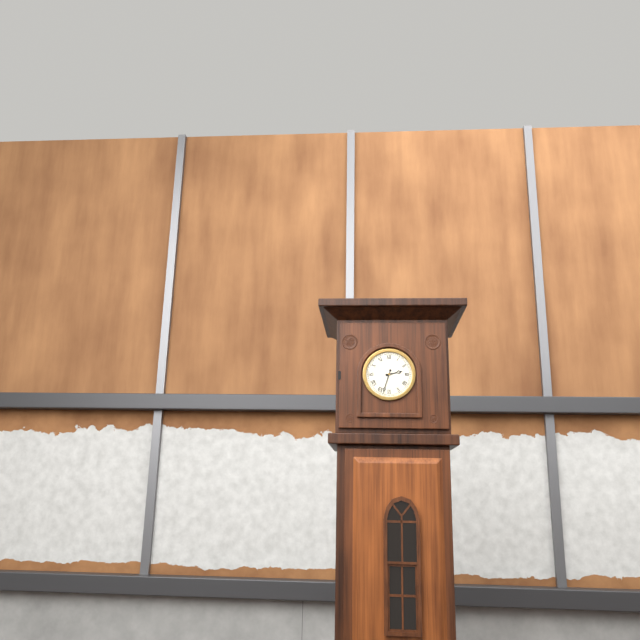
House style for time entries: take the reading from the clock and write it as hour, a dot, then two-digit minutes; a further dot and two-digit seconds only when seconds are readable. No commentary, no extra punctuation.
2.33
